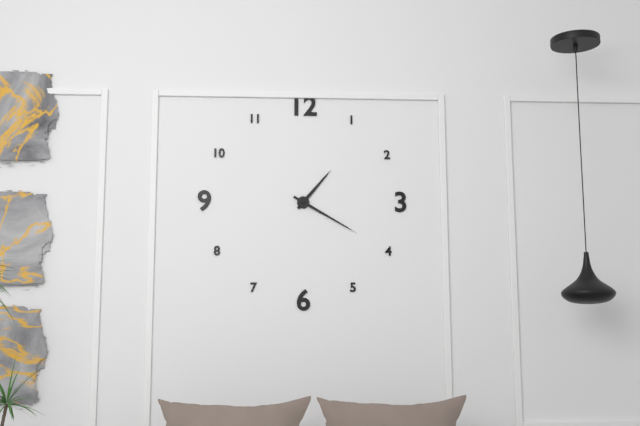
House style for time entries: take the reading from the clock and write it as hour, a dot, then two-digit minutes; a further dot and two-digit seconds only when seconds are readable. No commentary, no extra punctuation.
1.20
